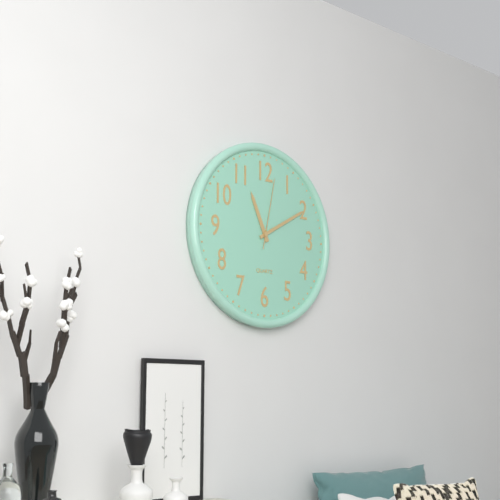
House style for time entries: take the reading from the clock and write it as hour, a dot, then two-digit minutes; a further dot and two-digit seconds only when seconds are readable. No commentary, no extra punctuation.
11.10.02
